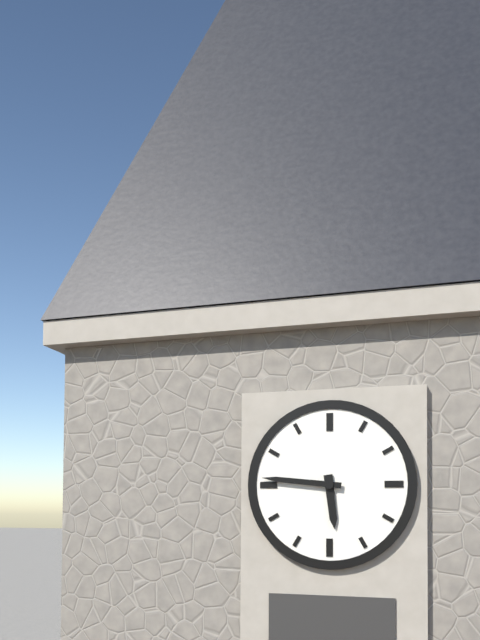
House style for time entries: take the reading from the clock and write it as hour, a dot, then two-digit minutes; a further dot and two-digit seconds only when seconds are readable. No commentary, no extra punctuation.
5.46
